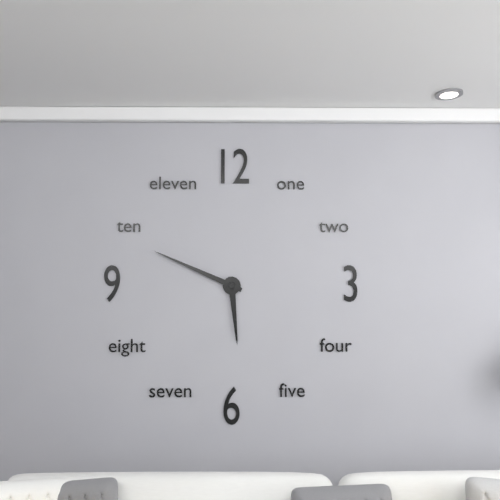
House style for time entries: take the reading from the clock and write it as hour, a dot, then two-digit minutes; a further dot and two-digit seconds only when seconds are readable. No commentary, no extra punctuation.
5.49
